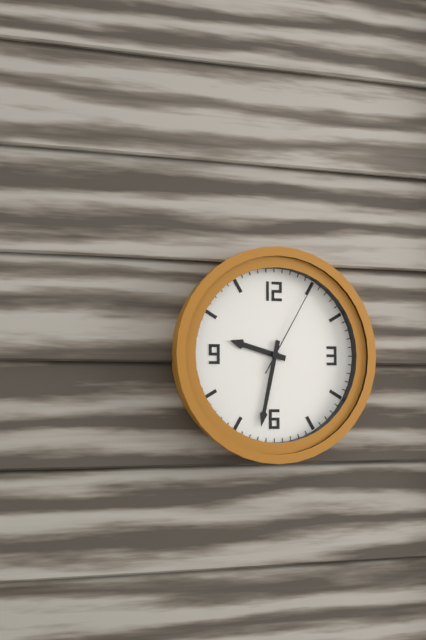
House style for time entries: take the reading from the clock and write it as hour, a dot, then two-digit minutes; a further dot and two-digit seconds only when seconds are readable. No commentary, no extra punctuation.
9.32.05
